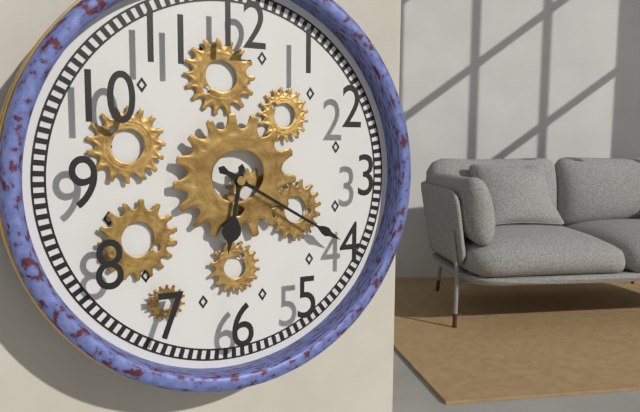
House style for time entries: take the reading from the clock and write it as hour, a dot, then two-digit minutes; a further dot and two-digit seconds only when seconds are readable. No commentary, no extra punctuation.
6.20
